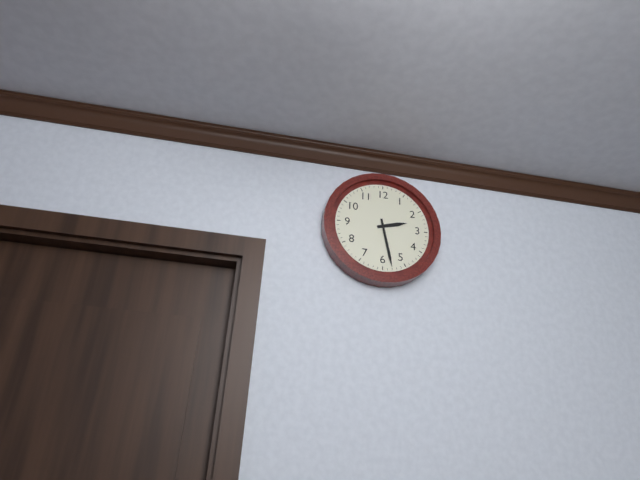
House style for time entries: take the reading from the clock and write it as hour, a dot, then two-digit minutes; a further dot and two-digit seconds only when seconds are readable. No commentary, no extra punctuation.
2.28
